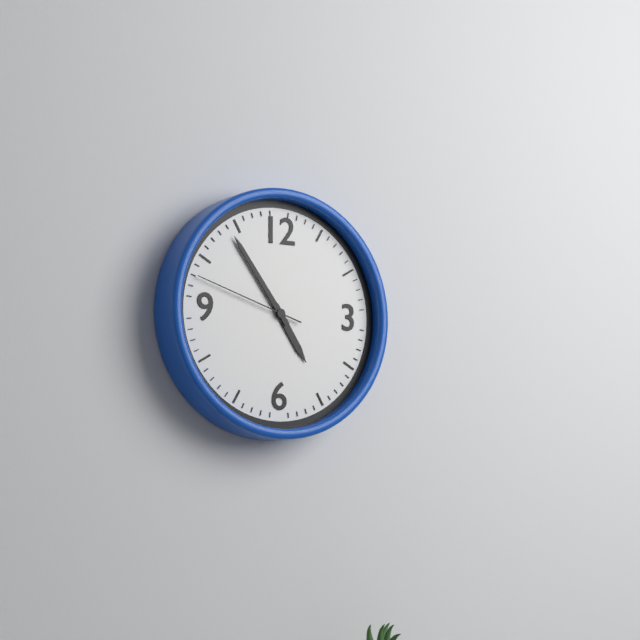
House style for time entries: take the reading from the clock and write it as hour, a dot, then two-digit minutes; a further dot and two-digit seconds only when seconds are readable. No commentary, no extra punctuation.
4.54.48
